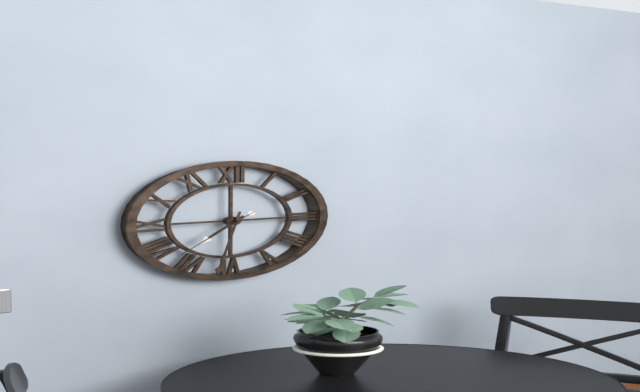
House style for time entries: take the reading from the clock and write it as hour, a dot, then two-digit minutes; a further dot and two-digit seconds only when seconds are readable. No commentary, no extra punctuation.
7.32.38
